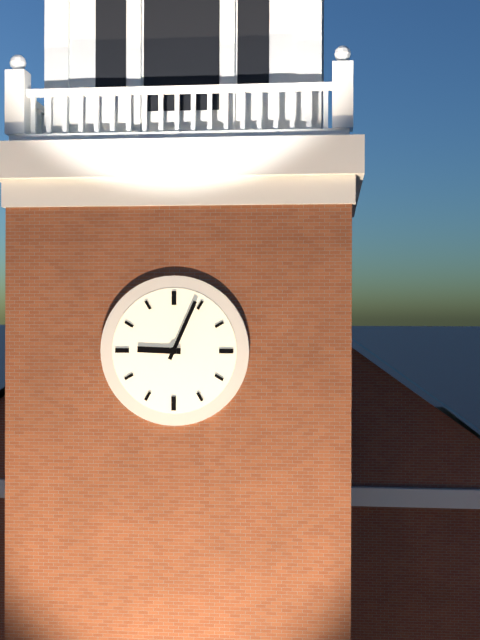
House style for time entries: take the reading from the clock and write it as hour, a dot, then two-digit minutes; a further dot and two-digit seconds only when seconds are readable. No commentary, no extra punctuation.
9.04
